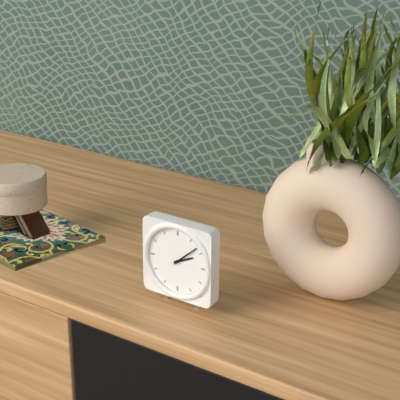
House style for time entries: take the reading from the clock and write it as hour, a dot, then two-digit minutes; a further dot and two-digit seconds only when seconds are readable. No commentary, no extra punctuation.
2.08
